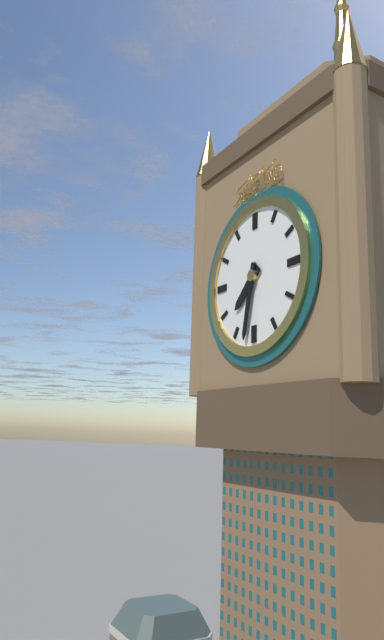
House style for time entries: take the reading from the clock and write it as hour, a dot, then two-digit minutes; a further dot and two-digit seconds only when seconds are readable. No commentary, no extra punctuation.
7.32
